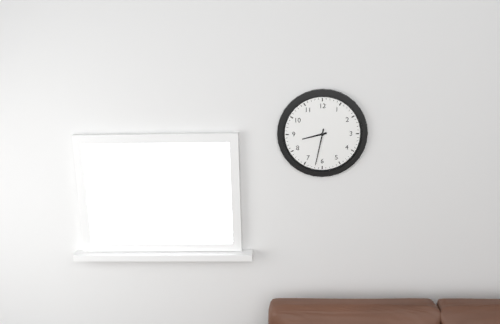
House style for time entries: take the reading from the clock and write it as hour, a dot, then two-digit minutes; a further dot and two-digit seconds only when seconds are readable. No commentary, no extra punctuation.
8.32
